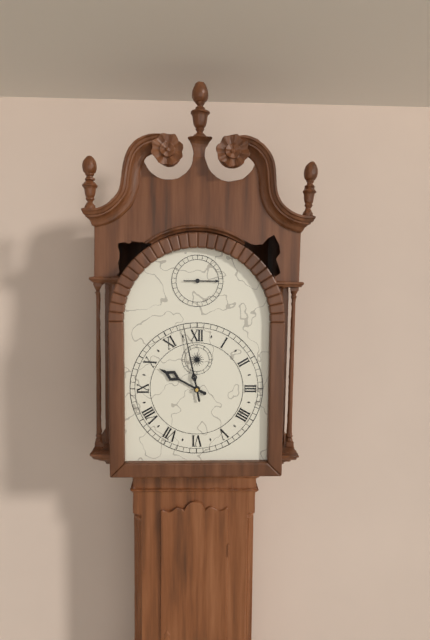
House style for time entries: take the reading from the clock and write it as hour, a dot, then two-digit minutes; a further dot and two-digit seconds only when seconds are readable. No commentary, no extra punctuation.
9.58
